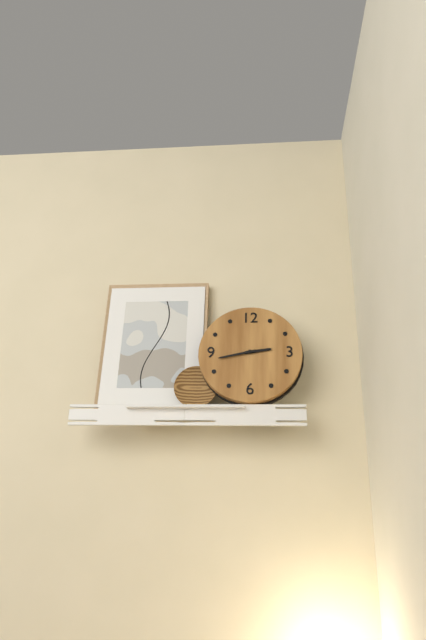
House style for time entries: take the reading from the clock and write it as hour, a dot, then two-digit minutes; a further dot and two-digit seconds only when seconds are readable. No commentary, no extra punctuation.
2.43
